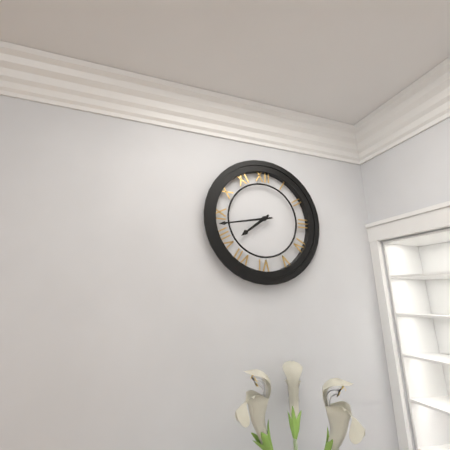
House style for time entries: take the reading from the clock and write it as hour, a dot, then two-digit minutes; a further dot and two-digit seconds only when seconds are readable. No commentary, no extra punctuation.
7.43
